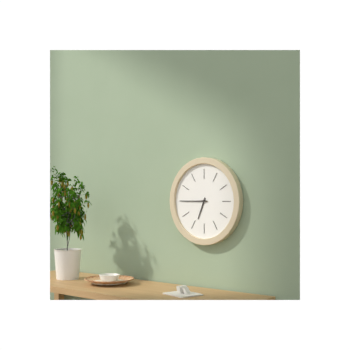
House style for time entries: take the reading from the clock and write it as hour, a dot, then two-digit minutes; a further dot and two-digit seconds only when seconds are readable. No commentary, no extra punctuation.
6.45
